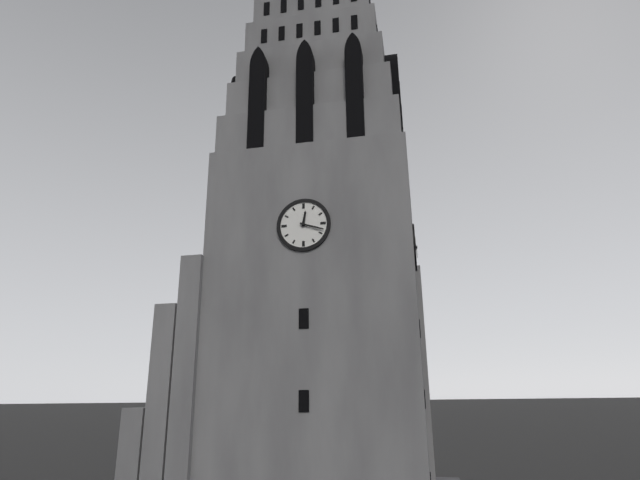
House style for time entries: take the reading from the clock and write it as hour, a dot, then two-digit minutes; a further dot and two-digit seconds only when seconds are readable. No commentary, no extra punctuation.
12.18
